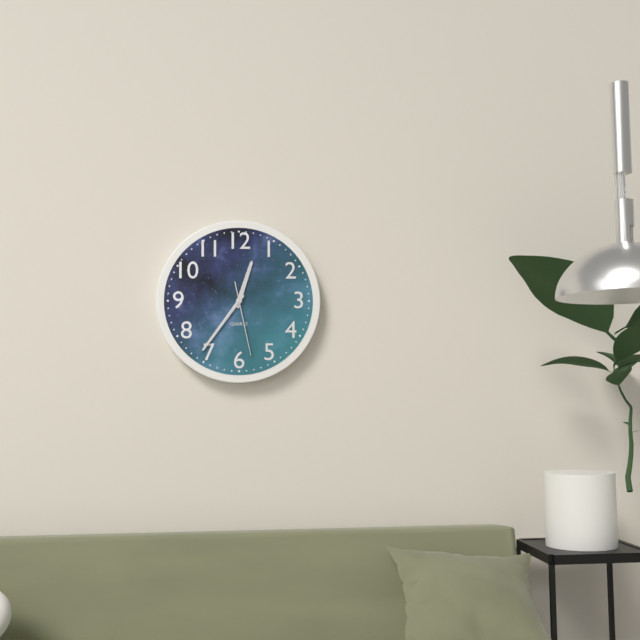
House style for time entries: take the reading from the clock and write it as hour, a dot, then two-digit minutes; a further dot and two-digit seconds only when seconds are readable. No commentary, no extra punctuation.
12.36.28
